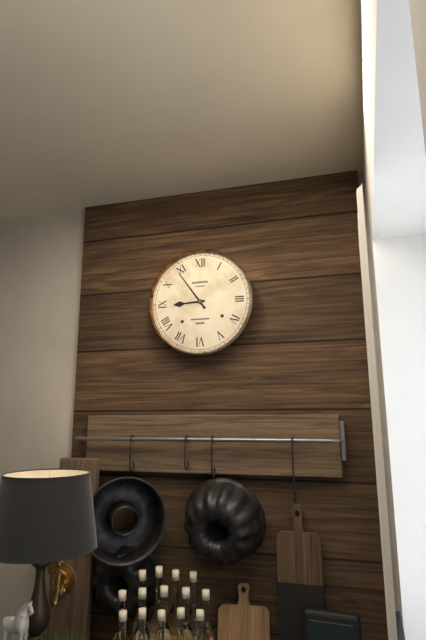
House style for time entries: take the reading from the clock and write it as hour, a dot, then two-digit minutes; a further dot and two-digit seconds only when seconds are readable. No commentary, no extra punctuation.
8.54
